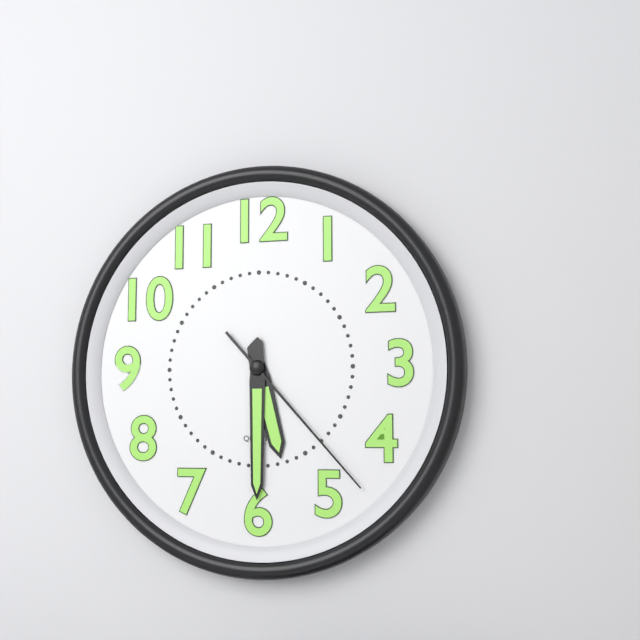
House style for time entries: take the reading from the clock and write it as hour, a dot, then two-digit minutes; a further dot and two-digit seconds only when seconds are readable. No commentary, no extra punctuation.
5.30.23
